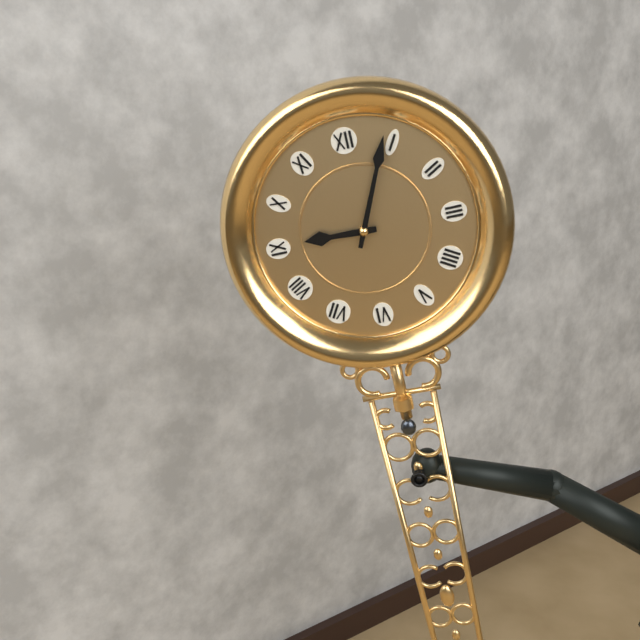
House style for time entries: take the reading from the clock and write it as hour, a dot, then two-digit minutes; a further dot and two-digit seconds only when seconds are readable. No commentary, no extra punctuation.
9.04
